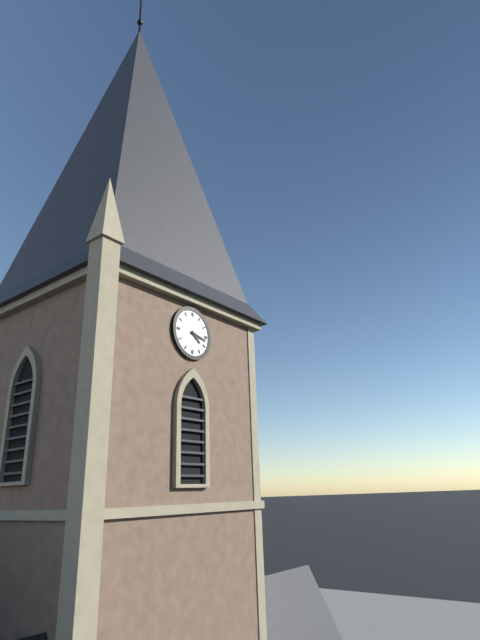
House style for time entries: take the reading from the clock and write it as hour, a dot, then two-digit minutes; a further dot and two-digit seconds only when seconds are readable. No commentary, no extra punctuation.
4.17
